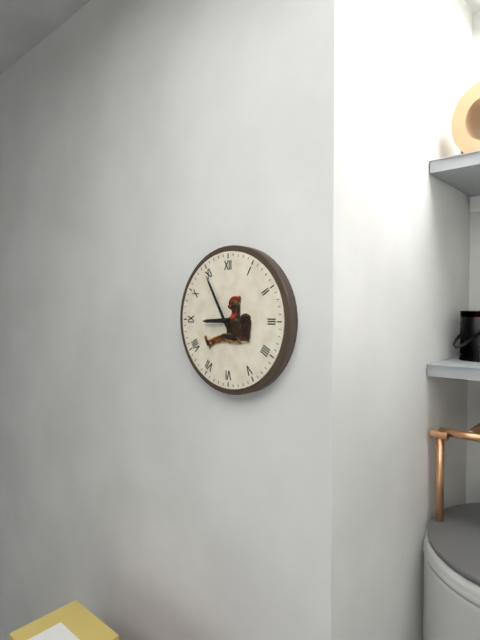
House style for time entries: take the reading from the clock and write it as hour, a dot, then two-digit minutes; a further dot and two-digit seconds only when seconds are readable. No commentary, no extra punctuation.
8.55
